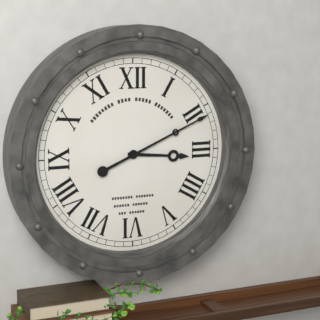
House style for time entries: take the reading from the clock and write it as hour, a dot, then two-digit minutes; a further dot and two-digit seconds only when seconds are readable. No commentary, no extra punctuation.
3.11
